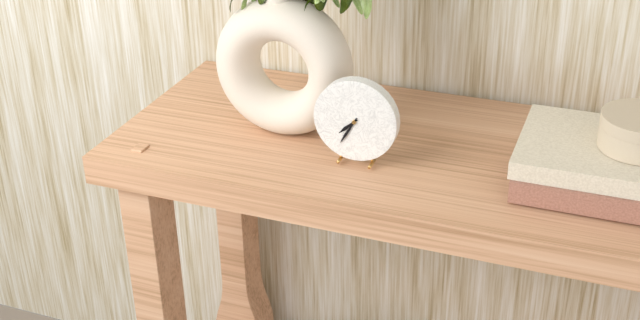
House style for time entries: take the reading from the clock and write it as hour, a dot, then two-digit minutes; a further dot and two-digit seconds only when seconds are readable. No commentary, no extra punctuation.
7.35
